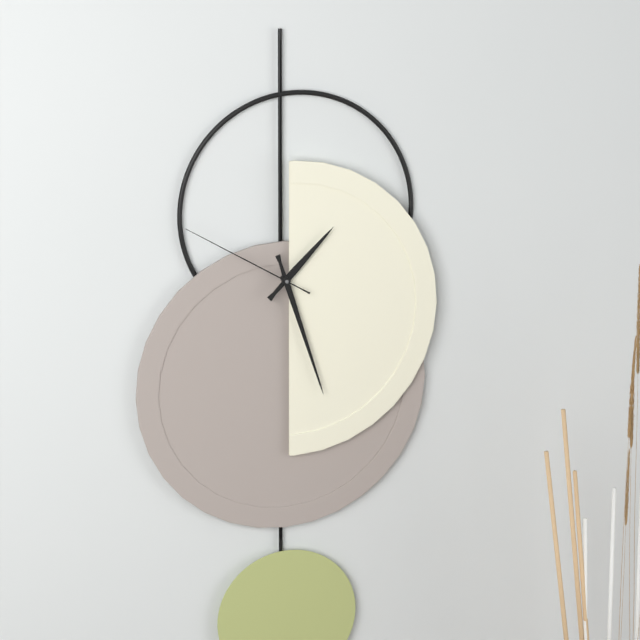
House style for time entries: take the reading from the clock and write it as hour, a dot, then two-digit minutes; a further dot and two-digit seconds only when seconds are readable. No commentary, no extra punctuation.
1.27.50
